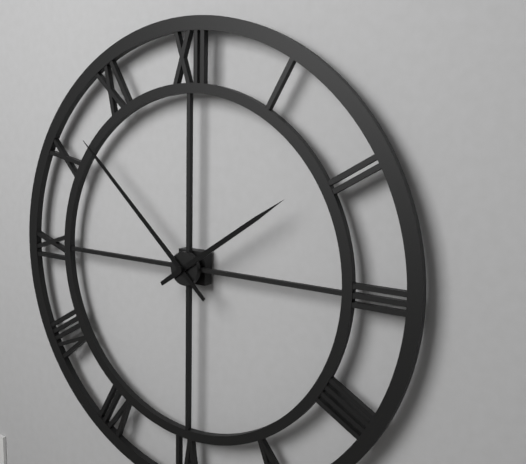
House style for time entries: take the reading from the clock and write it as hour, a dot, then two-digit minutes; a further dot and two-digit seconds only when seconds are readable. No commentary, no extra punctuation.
1.52
